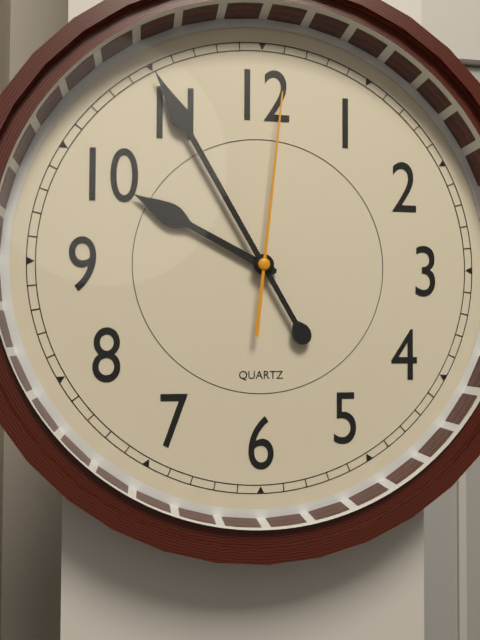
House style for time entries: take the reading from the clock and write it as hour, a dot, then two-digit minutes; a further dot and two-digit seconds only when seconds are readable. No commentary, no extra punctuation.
9.55.01
